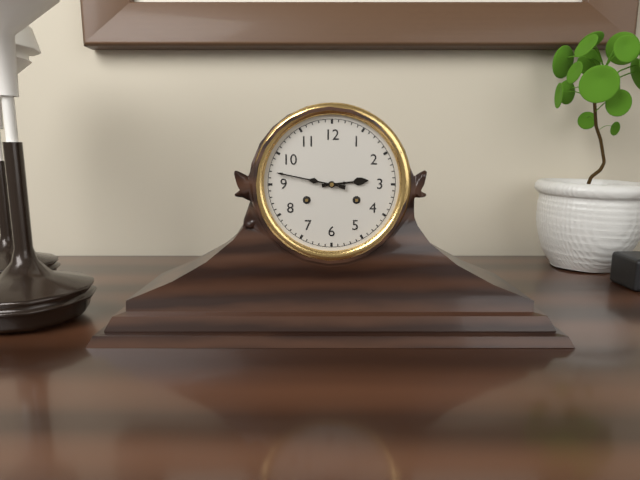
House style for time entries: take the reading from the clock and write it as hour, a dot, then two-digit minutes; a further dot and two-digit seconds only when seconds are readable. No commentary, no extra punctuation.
2.47
